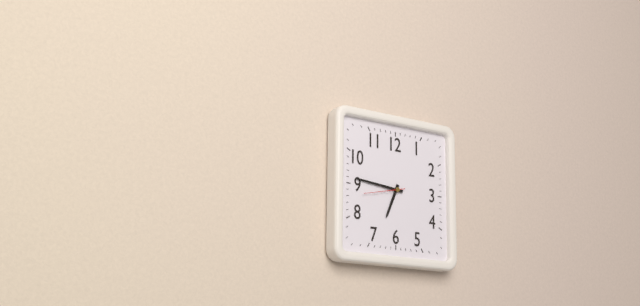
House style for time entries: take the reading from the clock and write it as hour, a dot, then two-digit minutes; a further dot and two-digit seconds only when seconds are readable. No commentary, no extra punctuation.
6.46
